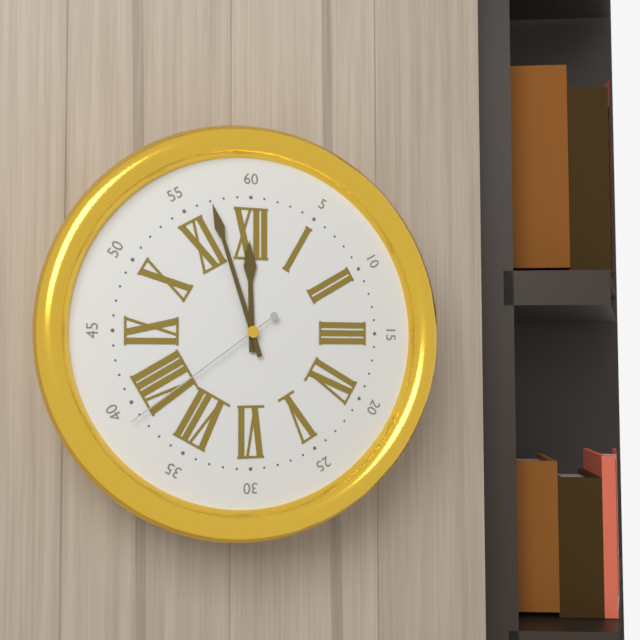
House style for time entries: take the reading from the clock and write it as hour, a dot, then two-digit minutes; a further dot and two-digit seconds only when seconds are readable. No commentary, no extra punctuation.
11.57.39
